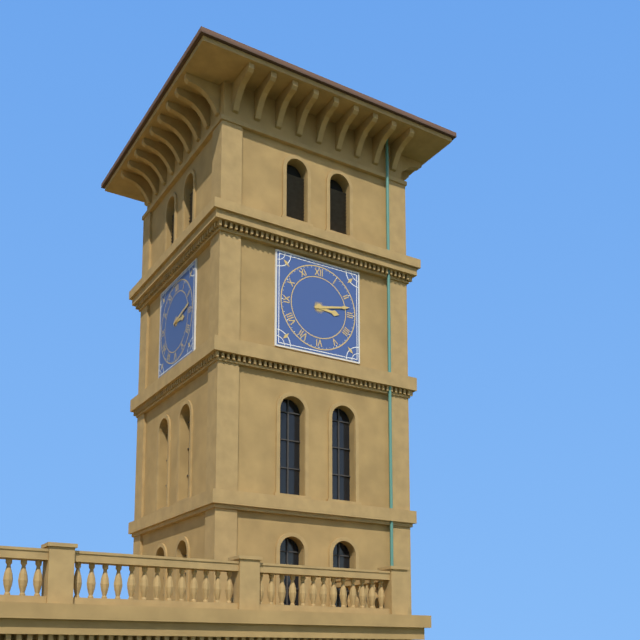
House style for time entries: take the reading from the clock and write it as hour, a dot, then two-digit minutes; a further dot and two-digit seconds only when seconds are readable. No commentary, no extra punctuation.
3.13
